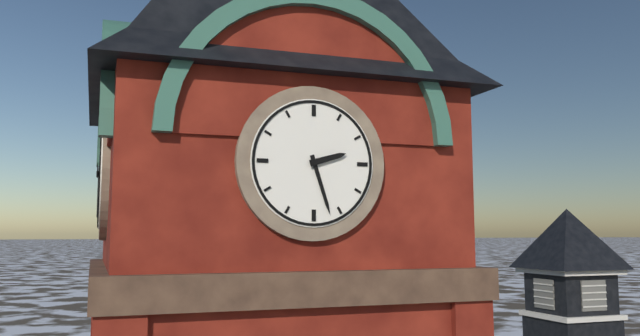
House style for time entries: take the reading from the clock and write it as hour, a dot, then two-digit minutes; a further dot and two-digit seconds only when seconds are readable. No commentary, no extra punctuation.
2.27
